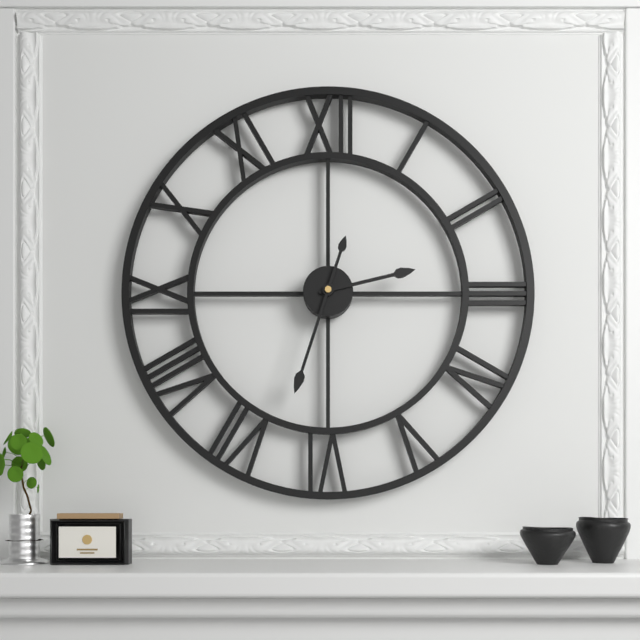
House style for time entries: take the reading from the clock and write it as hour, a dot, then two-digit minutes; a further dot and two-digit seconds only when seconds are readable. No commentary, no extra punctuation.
2.33
